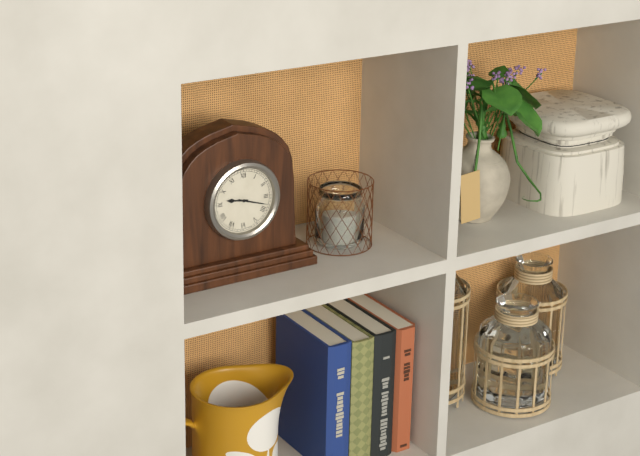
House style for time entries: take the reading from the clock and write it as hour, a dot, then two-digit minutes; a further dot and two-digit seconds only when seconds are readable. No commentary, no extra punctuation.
9.18
